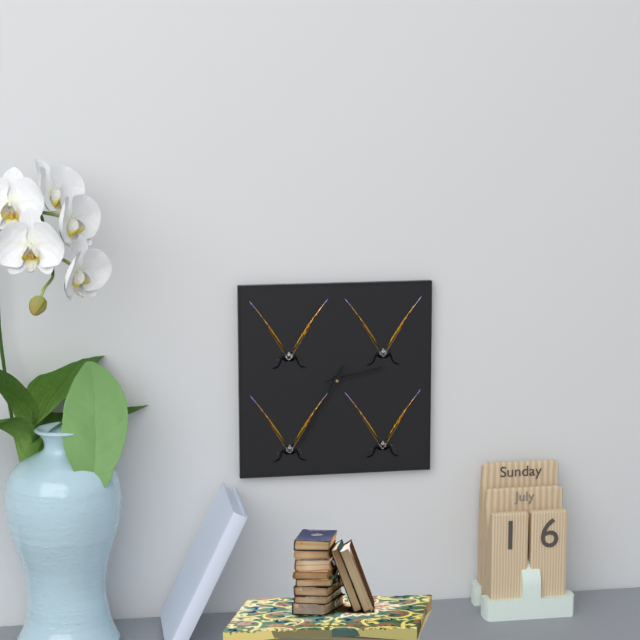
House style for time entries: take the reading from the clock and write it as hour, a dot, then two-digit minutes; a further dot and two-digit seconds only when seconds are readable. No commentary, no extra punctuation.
2.35
